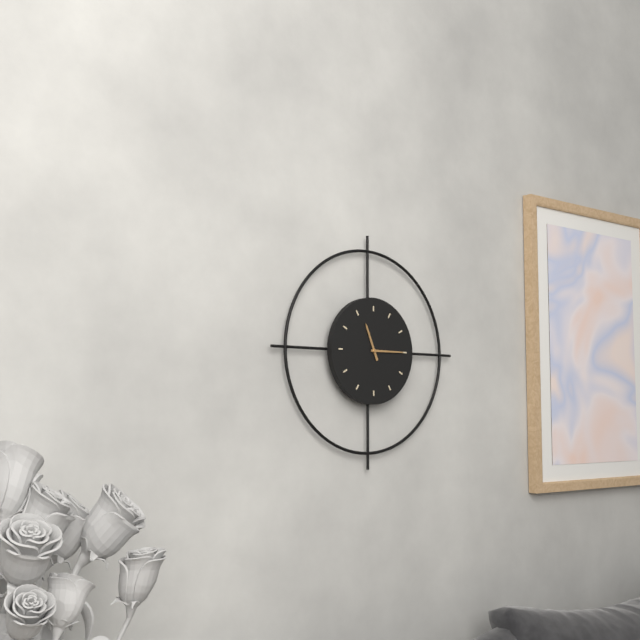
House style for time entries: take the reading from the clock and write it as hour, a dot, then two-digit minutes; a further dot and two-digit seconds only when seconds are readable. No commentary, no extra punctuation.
11.15
